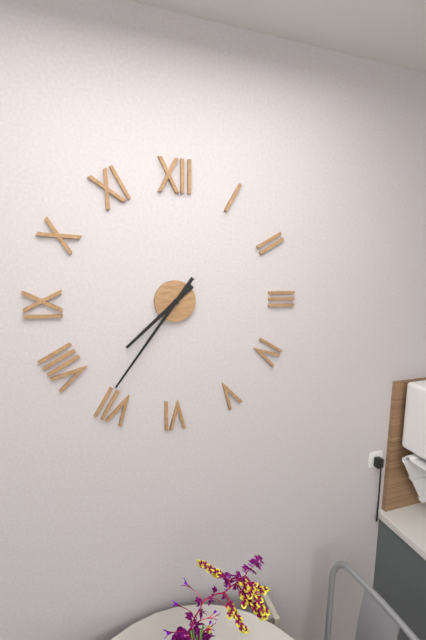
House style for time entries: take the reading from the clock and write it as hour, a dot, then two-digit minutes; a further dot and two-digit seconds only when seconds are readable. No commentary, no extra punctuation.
7.36
